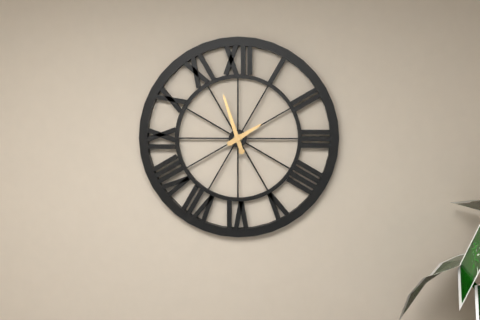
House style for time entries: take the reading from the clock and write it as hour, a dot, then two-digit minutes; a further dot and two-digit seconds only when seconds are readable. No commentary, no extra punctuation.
1.57
